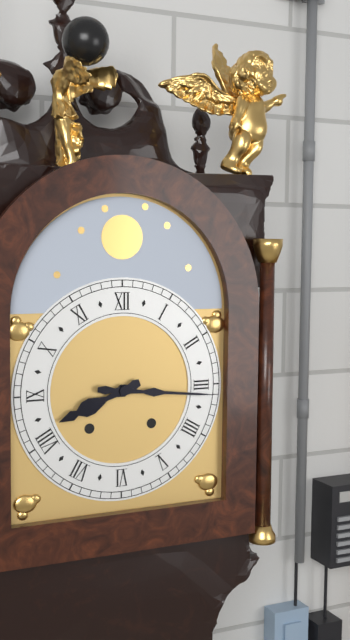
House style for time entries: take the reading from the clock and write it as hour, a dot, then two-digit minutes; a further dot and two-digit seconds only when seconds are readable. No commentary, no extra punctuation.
8.16
